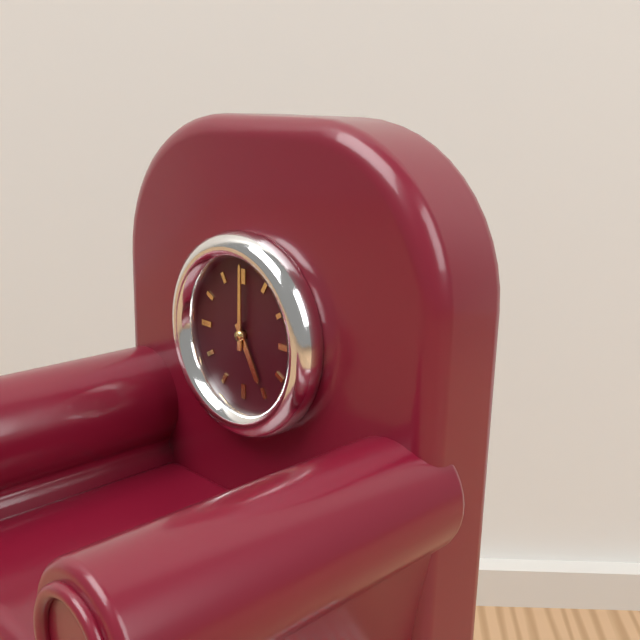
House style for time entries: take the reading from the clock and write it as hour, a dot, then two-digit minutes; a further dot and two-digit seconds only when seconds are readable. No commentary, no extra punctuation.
5.00
